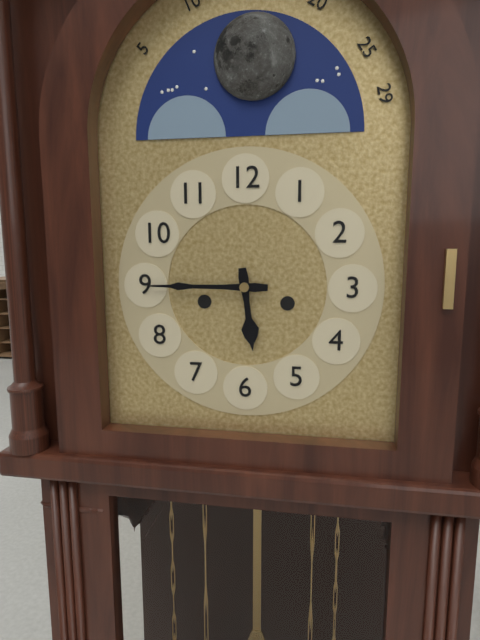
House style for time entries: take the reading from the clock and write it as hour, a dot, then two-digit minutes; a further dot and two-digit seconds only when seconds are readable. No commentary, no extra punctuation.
5.45
